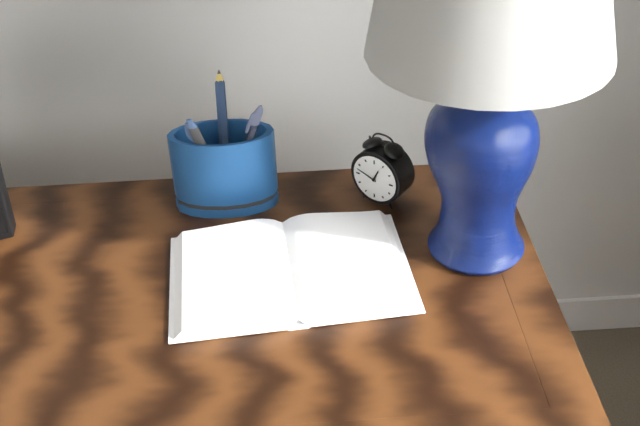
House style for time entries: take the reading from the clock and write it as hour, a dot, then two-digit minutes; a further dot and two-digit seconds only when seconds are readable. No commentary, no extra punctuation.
12.48
